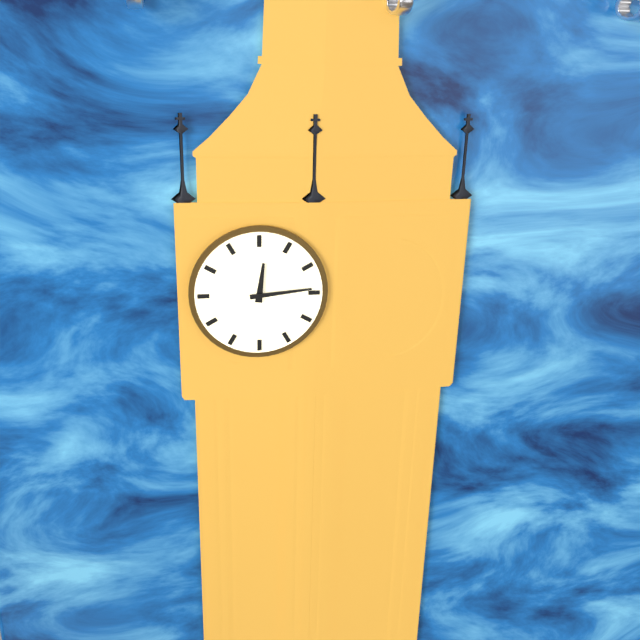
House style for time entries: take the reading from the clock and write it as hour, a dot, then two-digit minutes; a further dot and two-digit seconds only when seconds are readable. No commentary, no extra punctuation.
12.14
